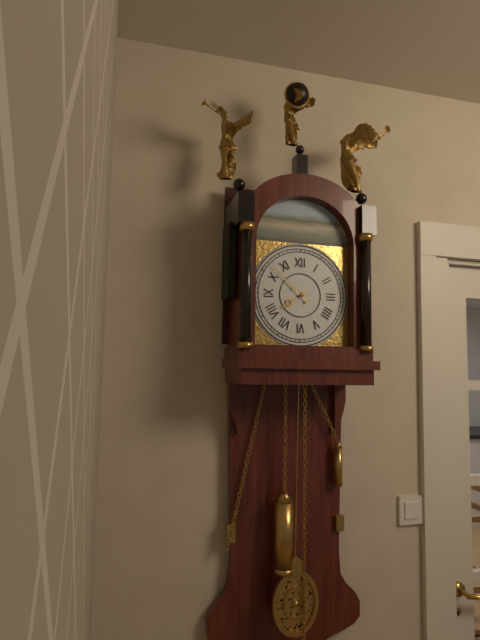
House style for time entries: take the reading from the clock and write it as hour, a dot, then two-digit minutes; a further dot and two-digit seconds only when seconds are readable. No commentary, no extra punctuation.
7.52
